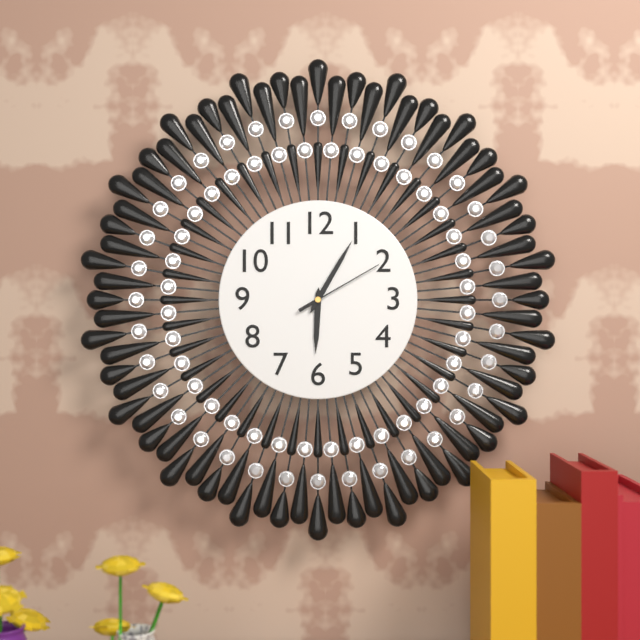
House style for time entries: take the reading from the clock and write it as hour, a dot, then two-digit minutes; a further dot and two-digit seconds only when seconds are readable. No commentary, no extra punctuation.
6.05.10
